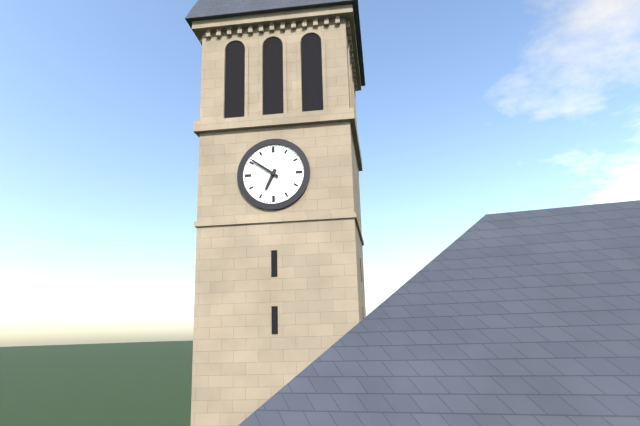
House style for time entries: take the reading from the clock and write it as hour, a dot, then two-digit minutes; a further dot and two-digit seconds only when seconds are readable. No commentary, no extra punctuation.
6.51
